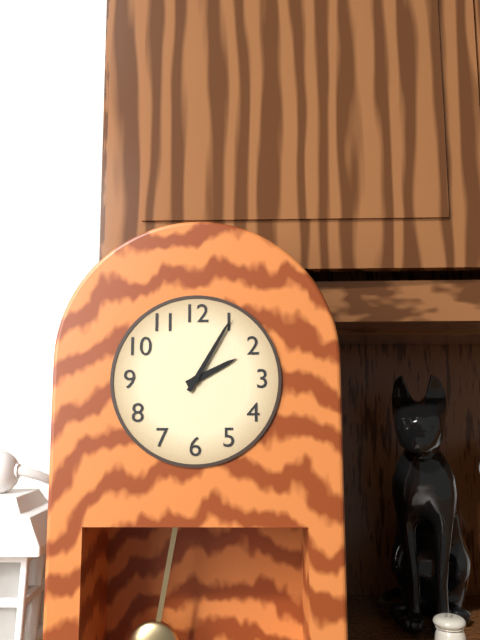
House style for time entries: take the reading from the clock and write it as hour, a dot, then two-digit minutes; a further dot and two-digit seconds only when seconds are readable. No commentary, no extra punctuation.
2.05
